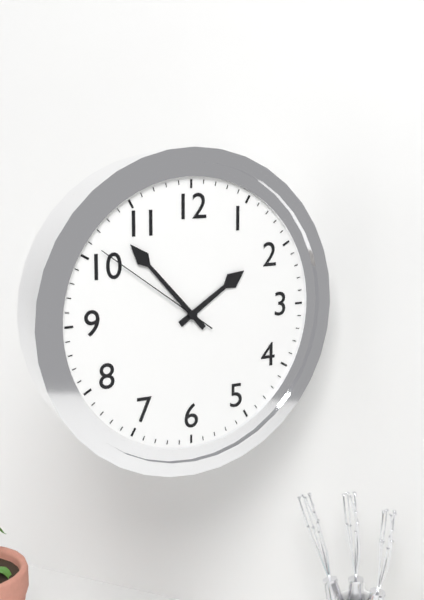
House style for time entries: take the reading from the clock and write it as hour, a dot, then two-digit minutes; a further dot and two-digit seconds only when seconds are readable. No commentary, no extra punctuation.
1.53.51
